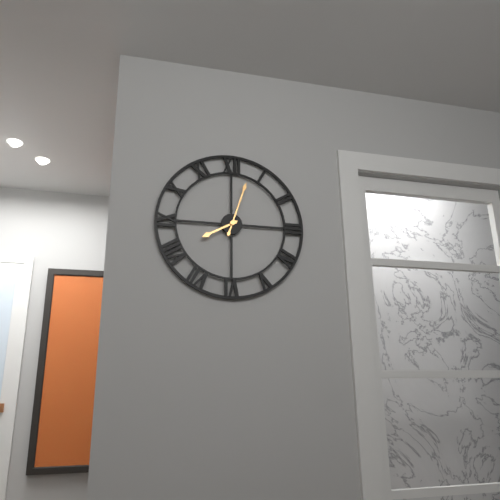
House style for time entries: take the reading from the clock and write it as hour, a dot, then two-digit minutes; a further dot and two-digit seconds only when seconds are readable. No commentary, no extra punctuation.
8.03
